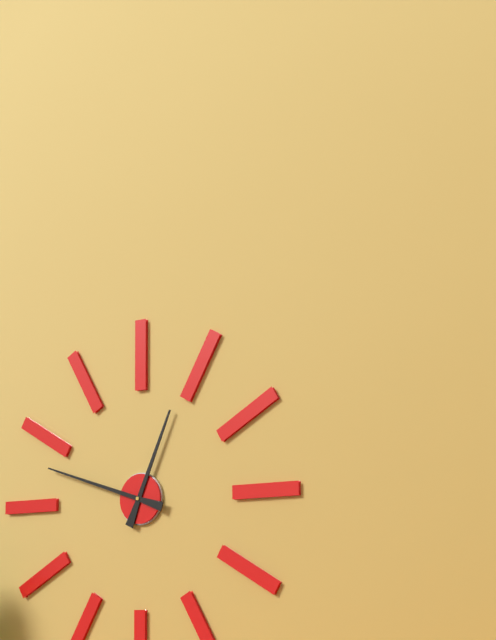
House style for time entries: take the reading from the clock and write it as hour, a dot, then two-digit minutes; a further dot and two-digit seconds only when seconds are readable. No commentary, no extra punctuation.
12.48
